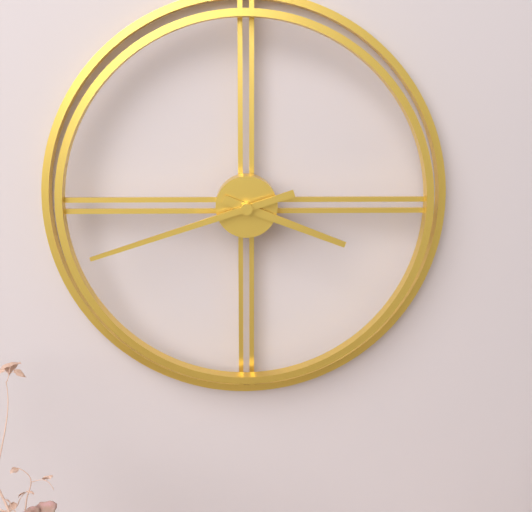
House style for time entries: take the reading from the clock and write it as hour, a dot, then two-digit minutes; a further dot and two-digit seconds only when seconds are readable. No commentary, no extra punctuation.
3.42
